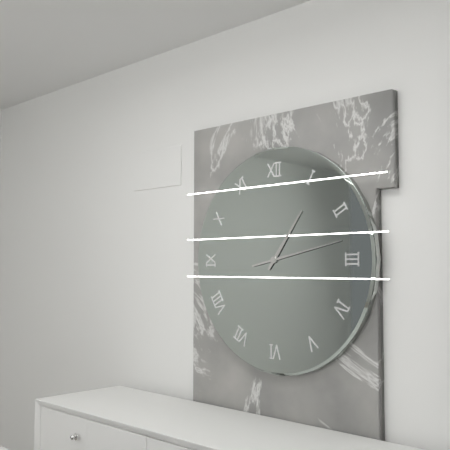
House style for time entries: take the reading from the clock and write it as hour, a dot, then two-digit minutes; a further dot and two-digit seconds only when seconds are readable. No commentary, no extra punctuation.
1.13
